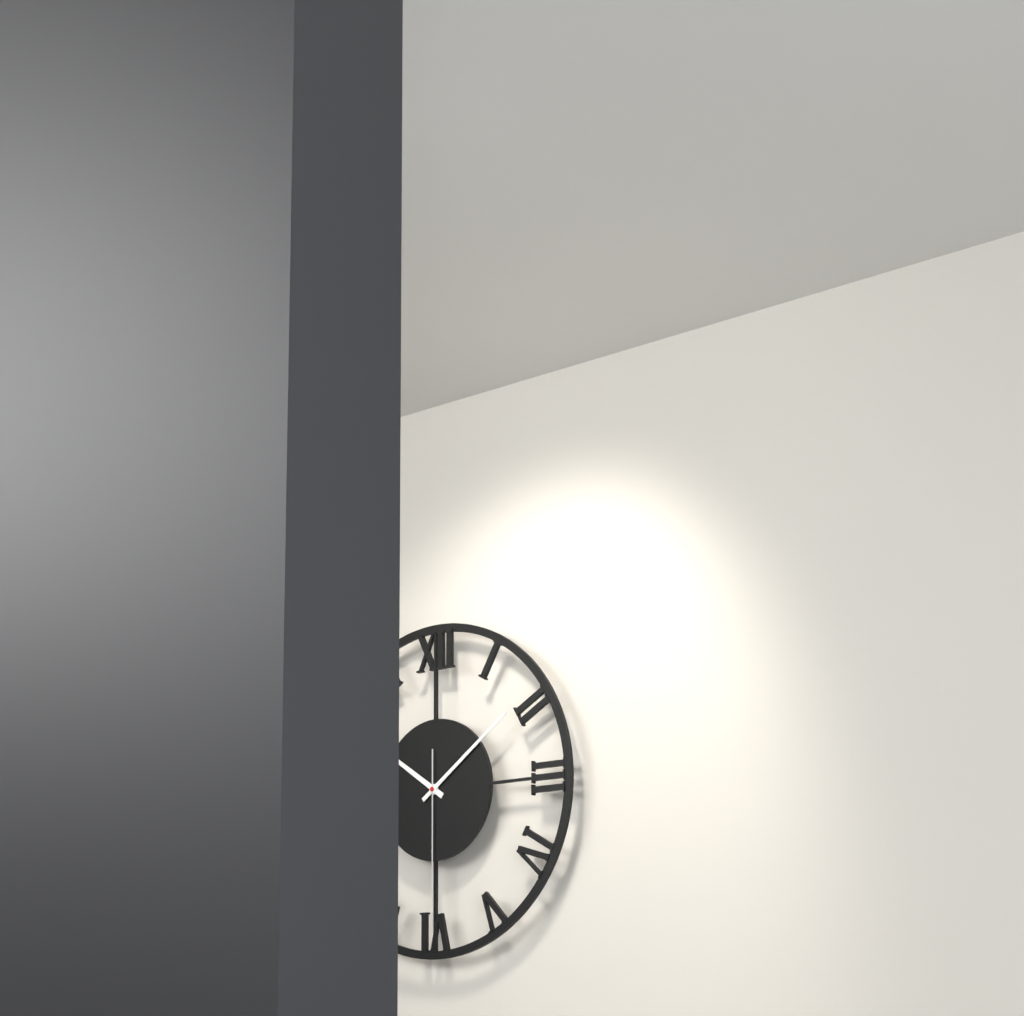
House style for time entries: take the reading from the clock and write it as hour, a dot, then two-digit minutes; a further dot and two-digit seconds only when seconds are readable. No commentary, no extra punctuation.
10.09.30
